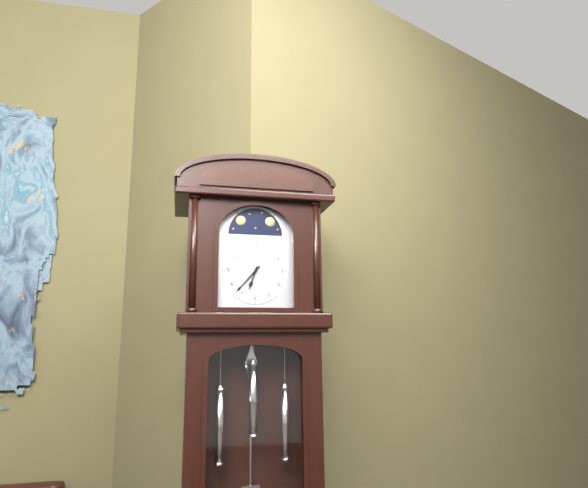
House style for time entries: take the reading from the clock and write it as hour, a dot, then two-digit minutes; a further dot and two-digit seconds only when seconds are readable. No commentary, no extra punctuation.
6.37
